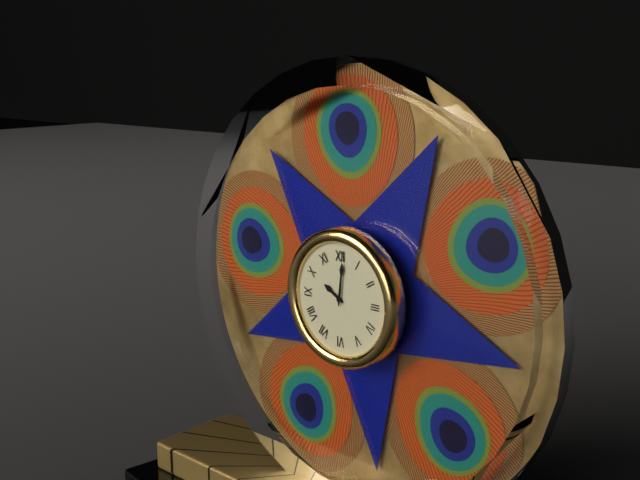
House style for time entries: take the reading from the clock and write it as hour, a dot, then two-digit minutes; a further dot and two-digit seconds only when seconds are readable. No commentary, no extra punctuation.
10.01
